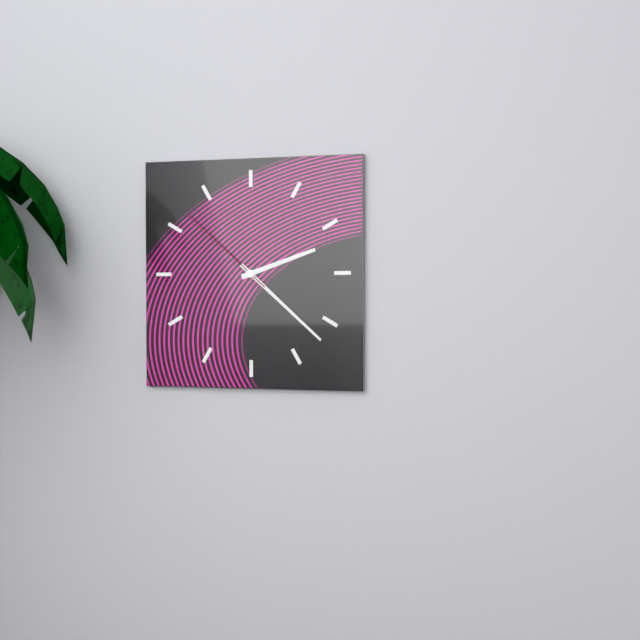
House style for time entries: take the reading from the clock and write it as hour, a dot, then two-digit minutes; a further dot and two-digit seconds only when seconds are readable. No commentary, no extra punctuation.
2.22.52
